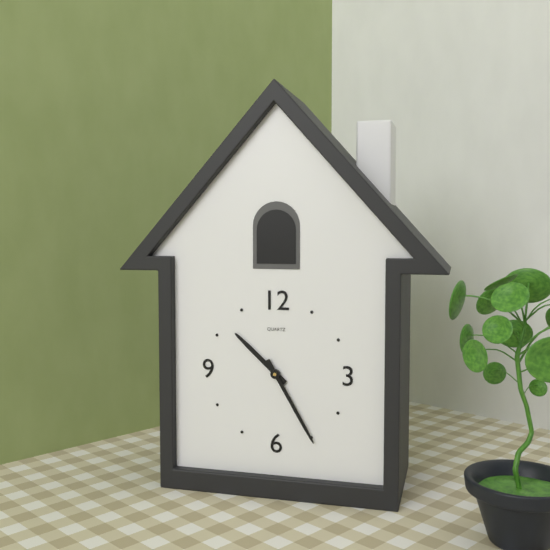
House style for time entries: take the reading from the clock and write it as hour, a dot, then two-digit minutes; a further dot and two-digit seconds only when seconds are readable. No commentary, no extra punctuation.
10.25
